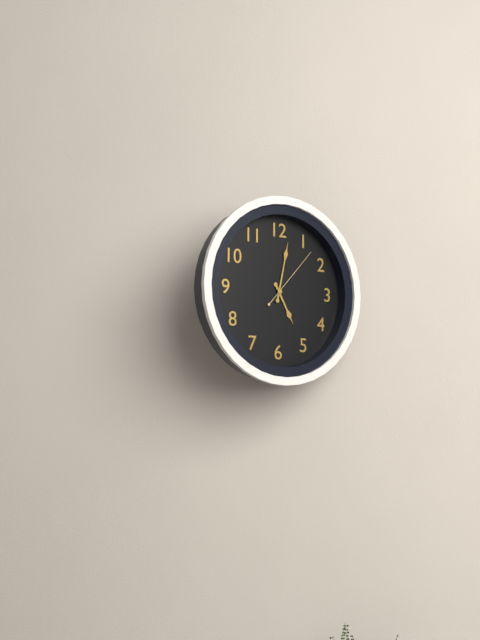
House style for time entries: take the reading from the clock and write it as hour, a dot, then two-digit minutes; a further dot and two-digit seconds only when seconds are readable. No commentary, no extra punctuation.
5.02.07
